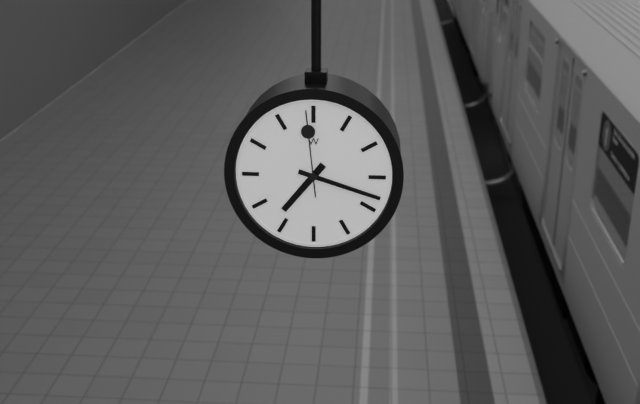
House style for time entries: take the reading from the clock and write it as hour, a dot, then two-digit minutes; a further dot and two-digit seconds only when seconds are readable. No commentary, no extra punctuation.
7.18.59
